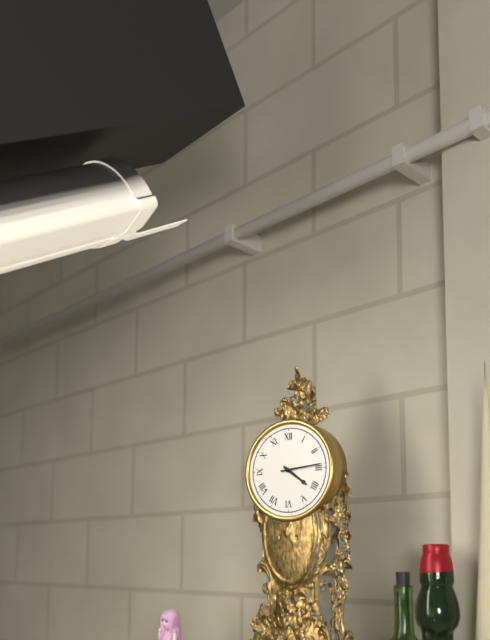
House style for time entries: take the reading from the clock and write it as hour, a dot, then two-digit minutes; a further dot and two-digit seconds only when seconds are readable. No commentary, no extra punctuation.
4.14
